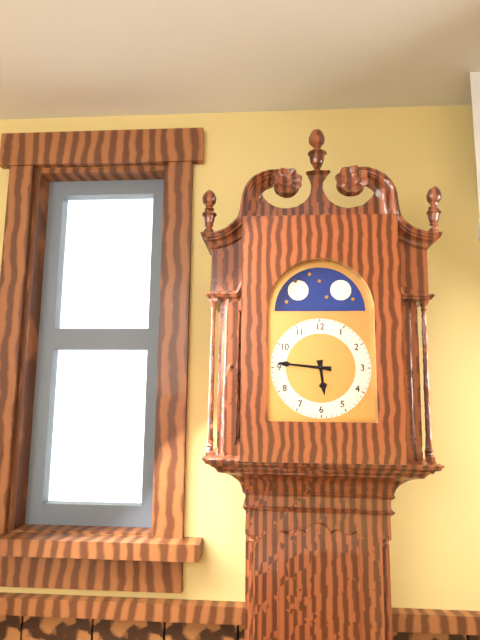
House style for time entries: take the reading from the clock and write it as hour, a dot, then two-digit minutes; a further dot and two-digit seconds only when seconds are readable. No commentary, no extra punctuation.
5.46
